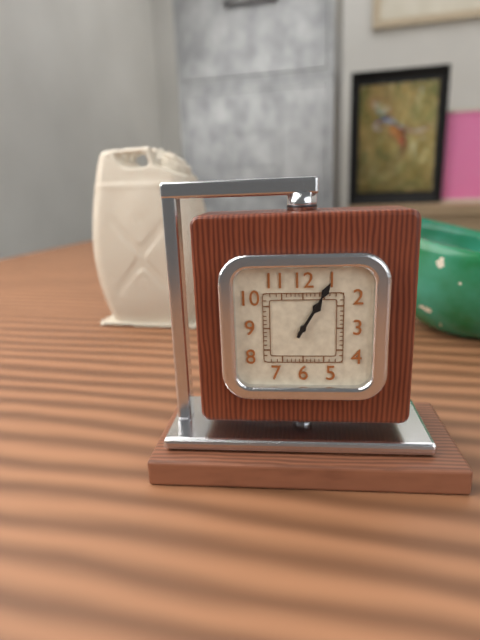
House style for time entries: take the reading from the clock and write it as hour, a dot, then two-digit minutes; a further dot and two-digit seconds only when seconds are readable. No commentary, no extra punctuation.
1.05
